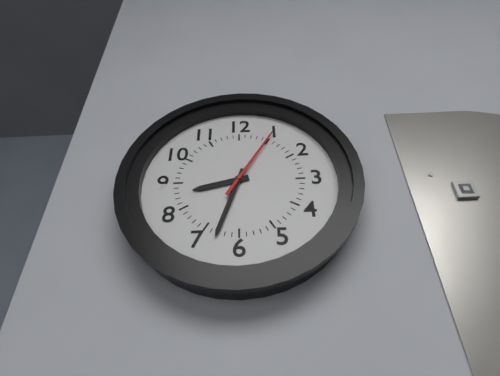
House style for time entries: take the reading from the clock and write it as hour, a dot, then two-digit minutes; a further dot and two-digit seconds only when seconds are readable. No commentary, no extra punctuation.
8.33.05
